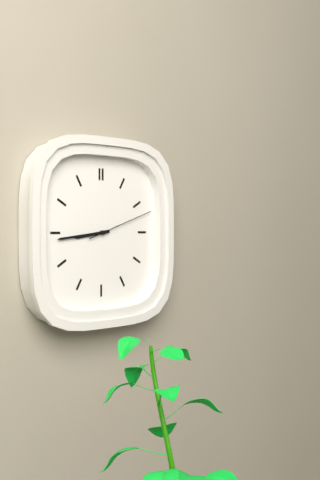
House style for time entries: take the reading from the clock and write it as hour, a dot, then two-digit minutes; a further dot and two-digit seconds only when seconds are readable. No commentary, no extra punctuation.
8.44.12
